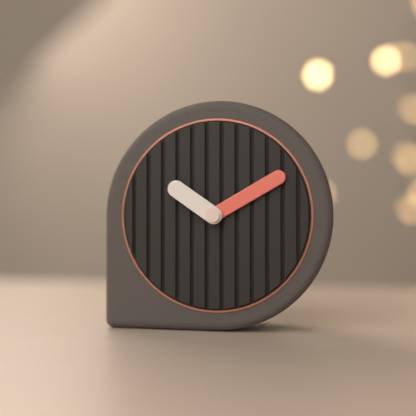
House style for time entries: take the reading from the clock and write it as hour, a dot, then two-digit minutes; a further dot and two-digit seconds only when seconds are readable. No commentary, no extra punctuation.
10.10
